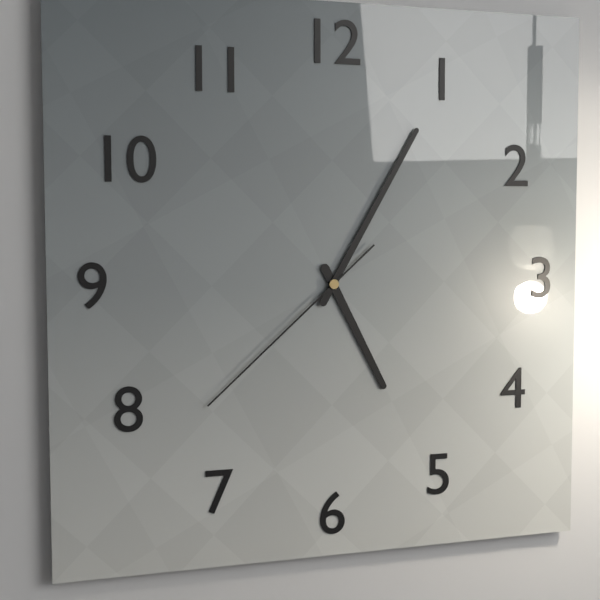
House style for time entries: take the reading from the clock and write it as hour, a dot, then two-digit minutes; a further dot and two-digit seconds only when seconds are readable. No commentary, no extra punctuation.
5.05.38
